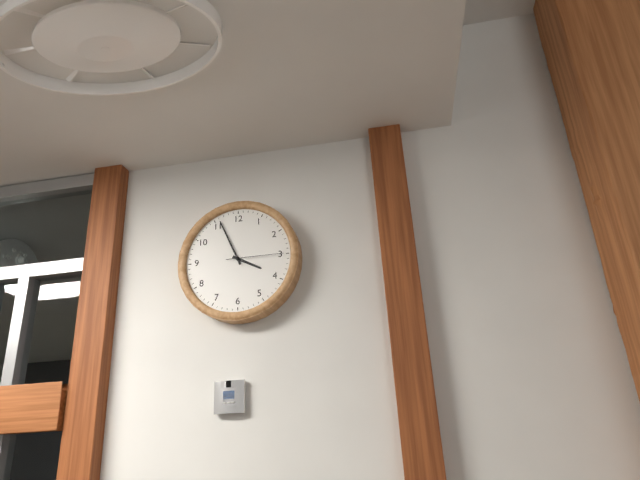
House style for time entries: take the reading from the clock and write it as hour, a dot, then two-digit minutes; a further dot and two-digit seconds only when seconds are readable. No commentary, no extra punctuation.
3.56.15
